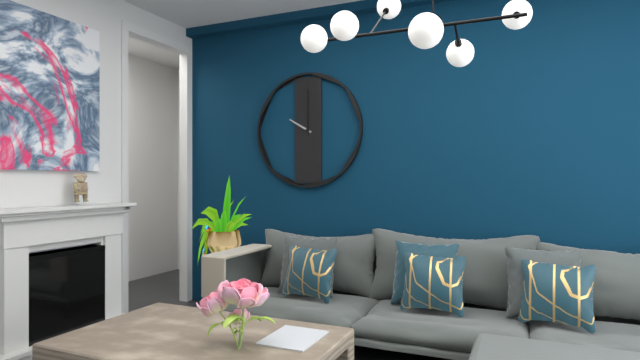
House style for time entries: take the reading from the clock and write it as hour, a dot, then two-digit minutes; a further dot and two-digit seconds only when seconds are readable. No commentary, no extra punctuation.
10.00
